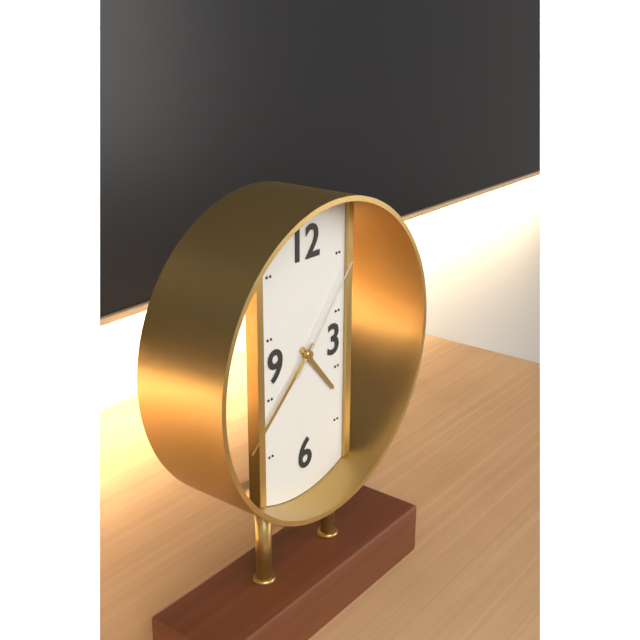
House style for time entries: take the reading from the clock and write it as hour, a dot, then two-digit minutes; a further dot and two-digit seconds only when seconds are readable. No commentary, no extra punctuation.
4.38.07
